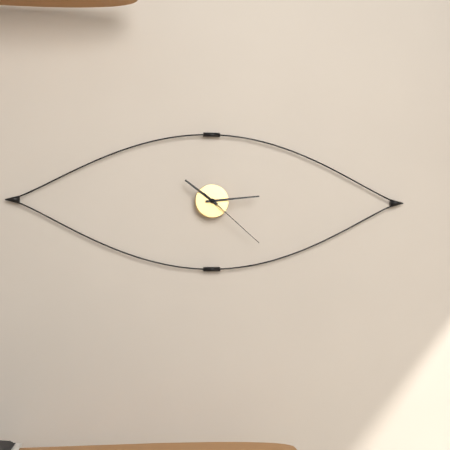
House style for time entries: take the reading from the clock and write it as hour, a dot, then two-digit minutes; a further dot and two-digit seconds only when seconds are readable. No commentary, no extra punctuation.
10.14.22
